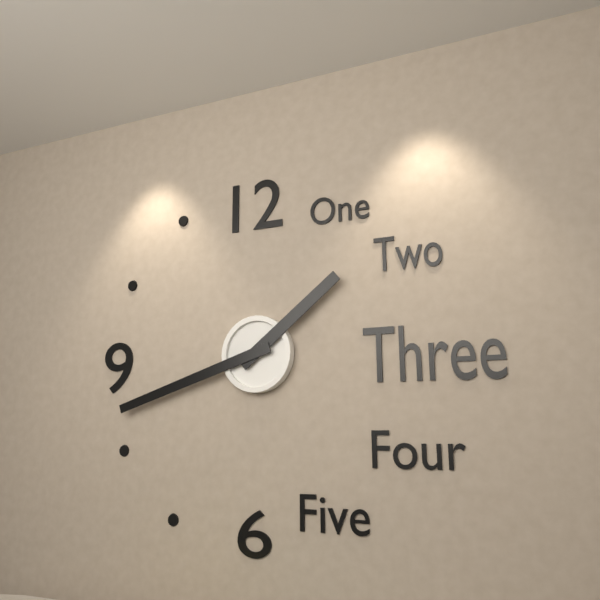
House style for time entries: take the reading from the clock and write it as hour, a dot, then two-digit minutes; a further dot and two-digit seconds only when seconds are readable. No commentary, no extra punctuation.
1.42
